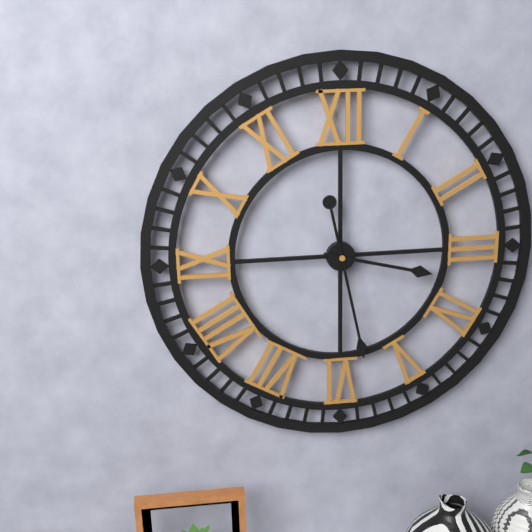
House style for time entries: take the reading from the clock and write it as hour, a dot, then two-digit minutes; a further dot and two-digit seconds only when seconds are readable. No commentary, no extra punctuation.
3.28
